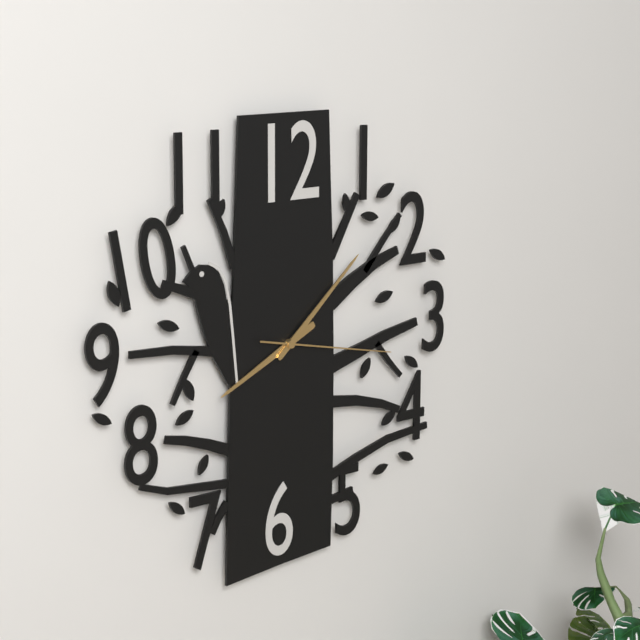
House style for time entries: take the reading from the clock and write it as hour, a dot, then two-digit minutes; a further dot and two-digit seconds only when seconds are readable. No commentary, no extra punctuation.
8.08.17
